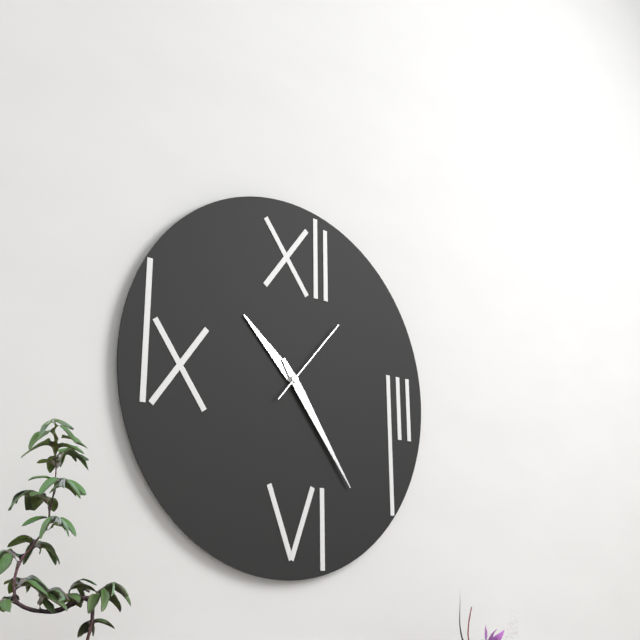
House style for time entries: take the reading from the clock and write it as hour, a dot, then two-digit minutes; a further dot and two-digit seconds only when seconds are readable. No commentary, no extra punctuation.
10.24.07
